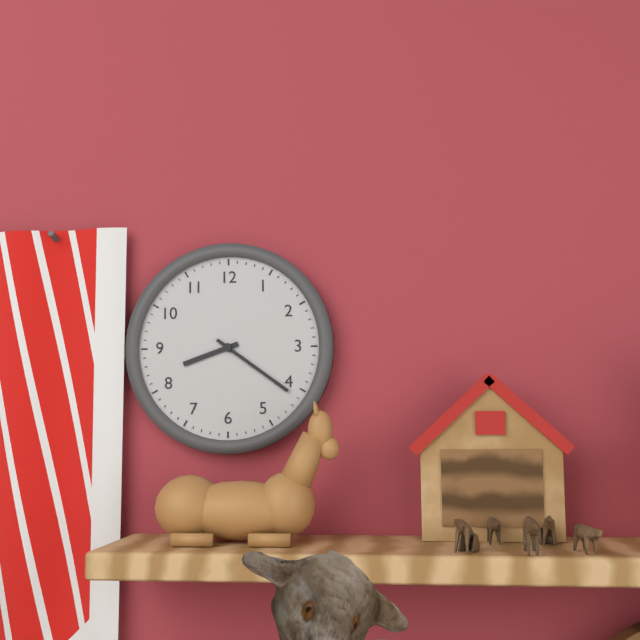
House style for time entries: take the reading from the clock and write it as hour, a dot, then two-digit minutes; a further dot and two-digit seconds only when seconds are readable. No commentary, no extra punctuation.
8.21
